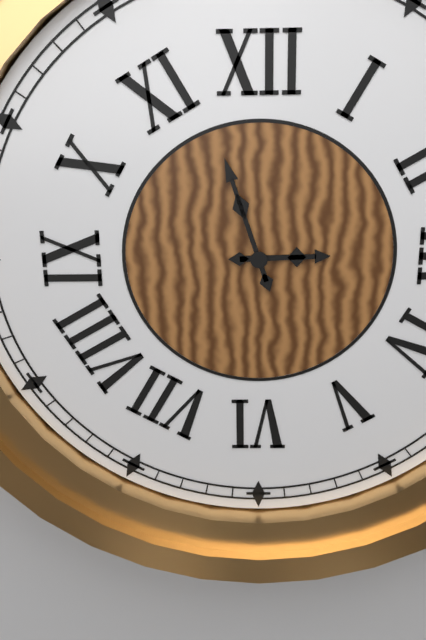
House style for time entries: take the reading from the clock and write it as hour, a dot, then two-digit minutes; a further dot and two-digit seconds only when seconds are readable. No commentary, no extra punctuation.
2.57
